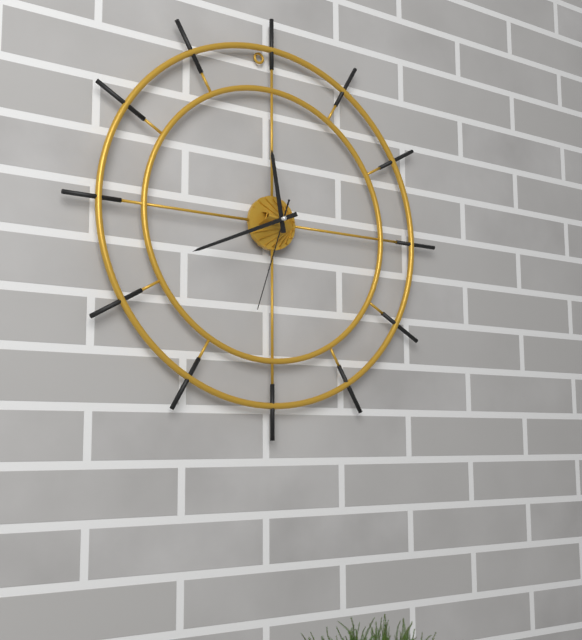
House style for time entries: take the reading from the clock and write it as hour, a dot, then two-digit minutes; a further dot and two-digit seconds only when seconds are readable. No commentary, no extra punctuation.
11.41.33
